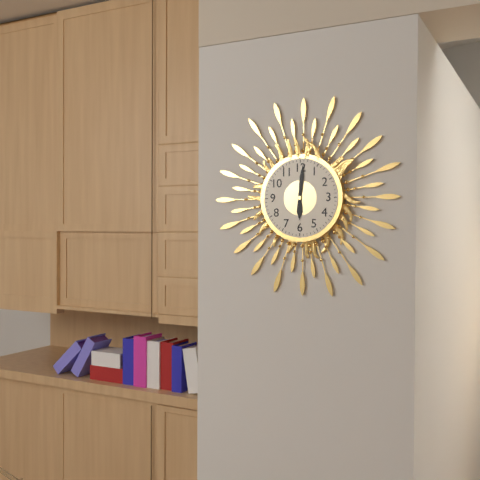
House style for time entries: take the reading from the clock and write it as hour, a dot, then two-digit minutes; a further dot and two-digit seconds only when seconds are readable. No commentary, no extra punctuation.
6.01
